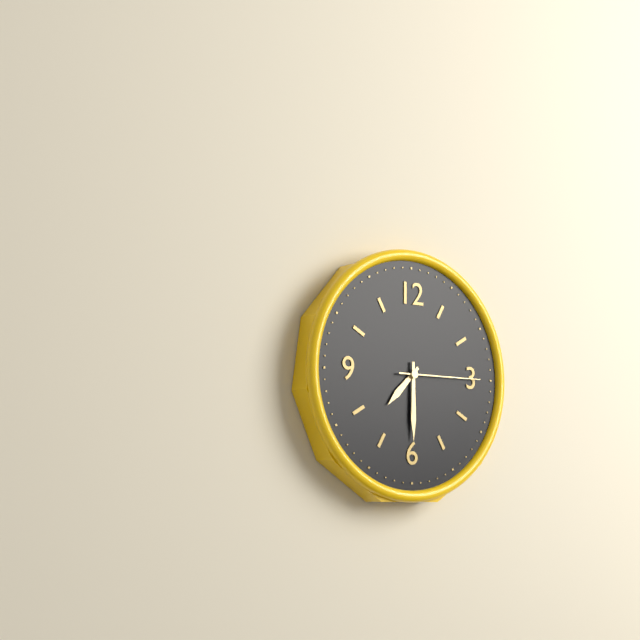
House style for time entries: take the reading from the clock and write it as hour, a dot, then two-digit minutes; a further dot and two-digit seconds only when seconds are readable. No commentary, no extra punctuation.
7.30.15
